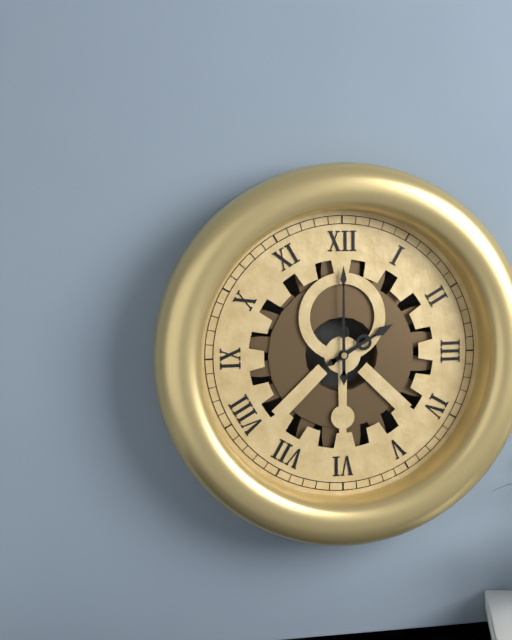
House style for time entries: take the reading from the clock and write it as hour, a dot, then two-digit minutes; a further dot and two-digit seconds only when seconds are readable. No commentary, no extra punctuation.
2.00
